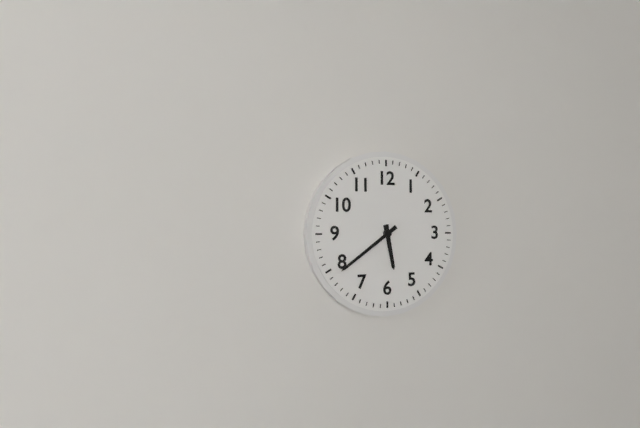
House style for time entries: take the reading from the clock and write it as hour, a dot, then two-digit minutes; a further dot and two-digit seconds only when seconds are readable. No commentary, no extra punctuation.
5.39
